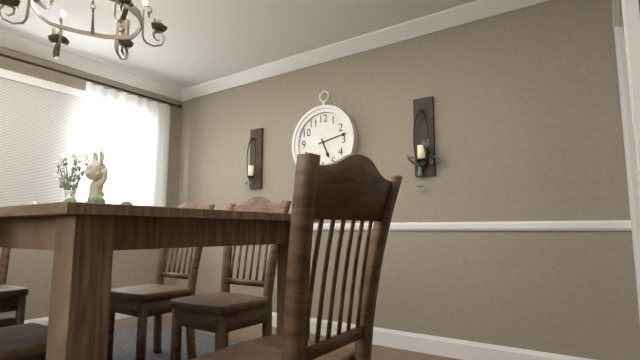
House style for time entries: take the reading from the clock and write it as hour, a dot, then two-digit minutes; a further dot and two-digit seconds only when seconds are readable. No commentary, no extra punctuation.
5.13
